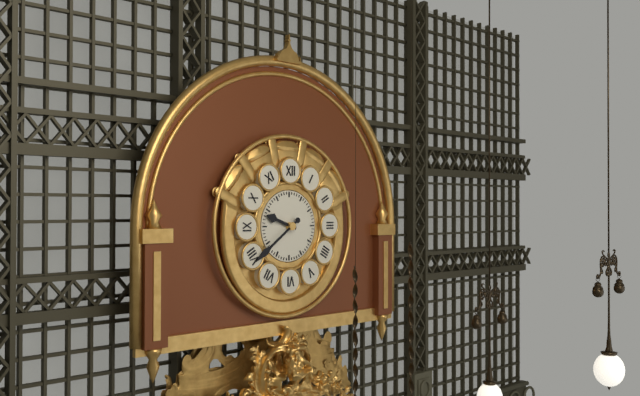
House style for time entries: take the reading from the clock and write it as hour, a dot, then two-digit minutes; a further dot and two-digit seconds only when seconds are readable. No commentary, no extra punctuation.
9.39
